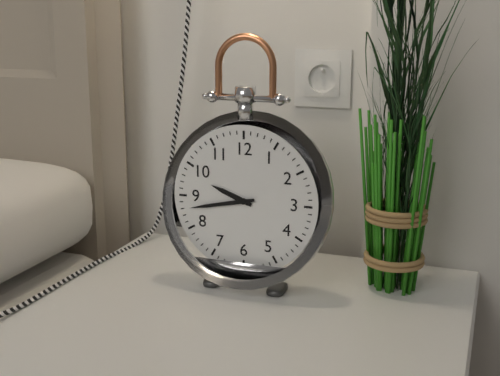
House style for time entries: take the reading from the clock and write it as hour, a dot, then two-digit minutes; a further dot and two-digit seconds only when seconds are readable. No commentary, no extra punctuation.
9.43
